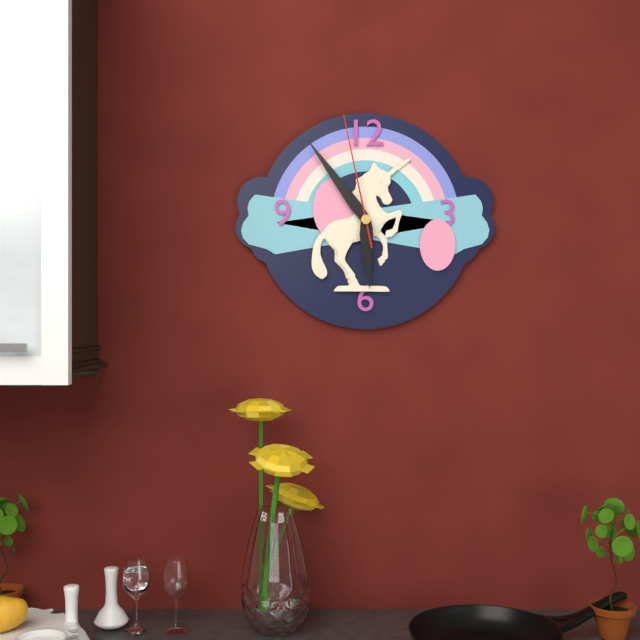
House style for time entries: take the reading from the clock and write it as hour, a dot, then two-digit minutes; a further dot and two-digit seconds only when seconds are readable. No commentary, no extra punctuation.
5.54.58
